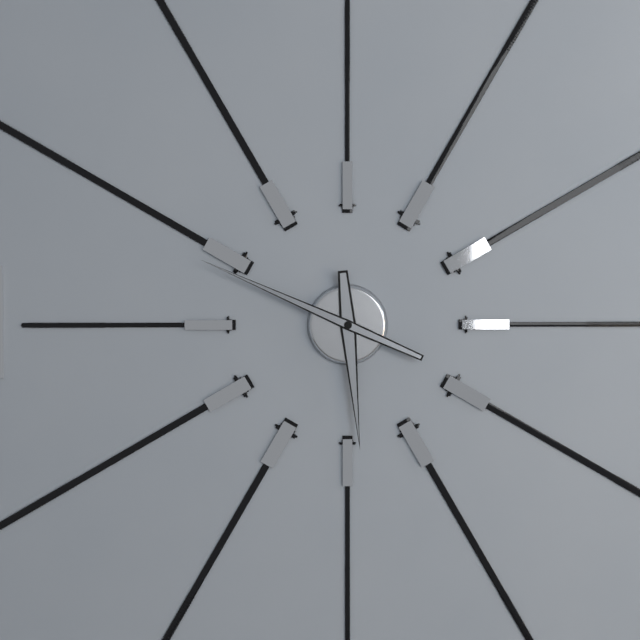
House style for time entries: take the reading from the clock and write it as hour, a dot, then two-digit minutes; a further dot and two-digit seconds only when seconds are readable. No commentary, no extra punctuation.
5.49
